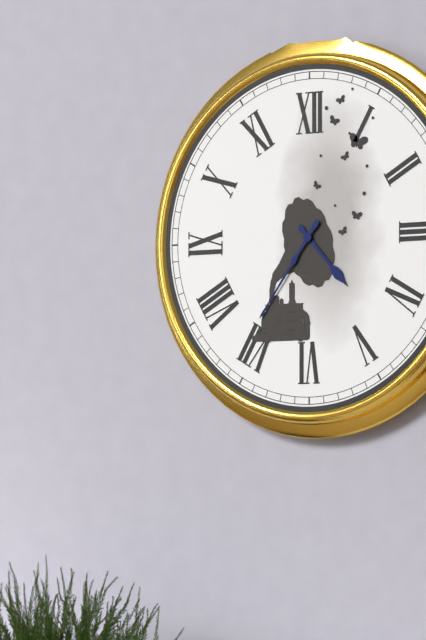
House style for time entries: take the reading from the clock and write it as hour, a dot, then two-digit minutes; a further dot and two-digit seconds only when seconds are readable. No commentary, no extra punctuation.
4.36
